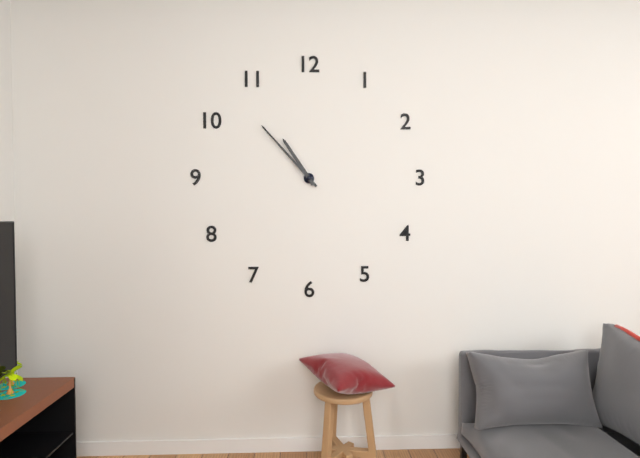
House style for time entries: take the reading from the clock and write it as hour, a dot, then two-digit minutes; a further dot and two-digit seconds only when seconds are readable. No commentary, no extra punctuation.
10.53
